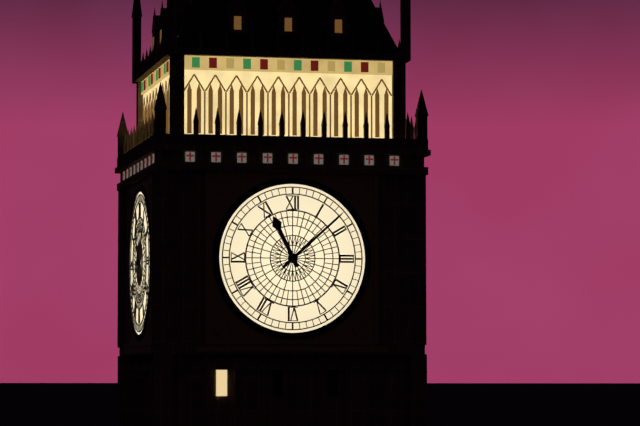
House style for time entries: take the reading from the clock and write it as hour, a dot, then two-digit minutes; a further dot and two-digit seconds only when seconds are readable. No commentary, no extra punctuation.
11.08
